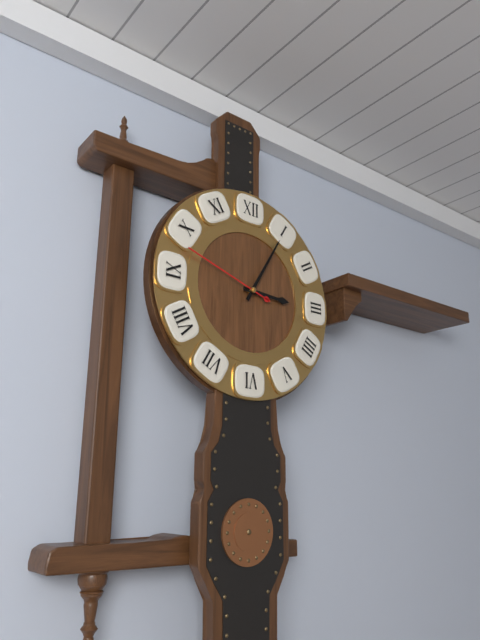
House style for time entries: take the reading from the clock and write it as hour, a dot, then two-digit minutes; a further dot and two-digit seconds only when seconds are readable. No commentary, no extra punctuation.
3.05.48
